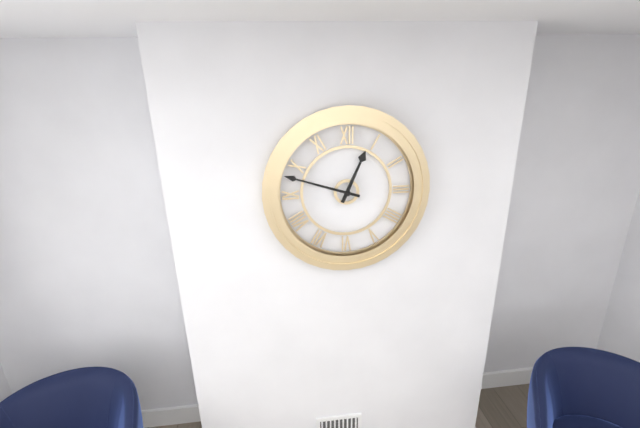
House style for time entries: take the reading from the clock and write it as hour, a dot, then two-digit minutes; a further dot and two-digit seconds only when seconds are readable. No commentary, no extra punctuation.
12.48
